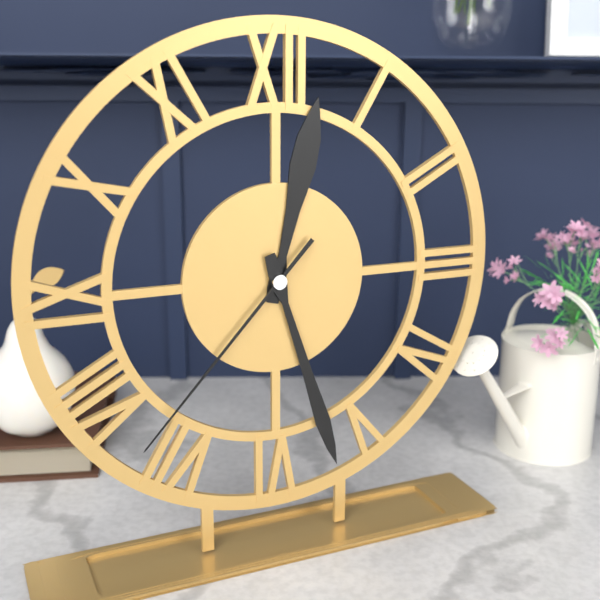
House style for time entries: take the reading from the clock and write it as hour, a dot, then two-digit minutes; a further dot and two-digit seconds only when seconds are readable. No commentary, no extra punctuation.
12.27.37
